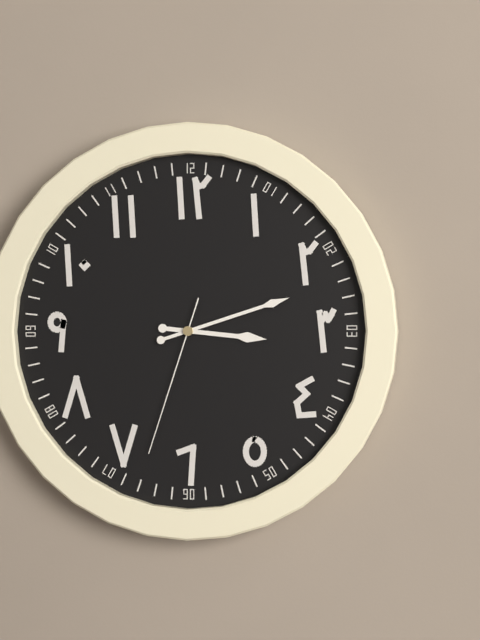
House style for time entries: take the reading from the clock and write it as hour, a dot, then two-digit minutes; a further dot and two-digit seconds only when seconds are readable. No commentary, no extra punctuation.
3.12.33
